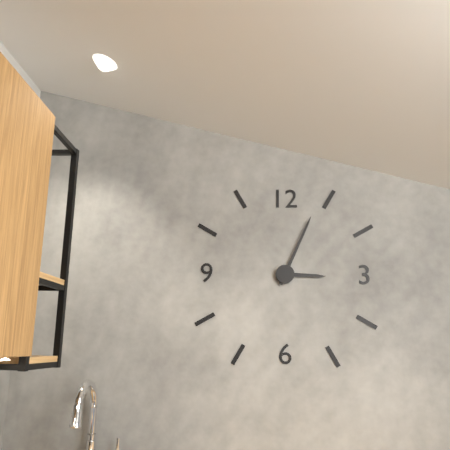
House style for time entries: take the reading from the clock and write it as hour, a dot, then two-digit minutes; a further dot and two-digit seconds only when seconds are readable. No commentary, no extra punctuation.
3.04
